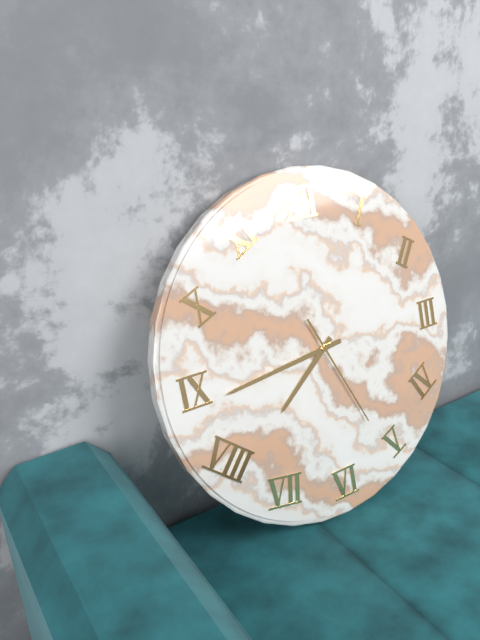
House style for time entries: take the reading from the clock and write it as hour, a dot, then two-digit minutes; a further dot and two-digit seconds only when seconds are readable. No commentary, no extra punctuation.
7.44.26
